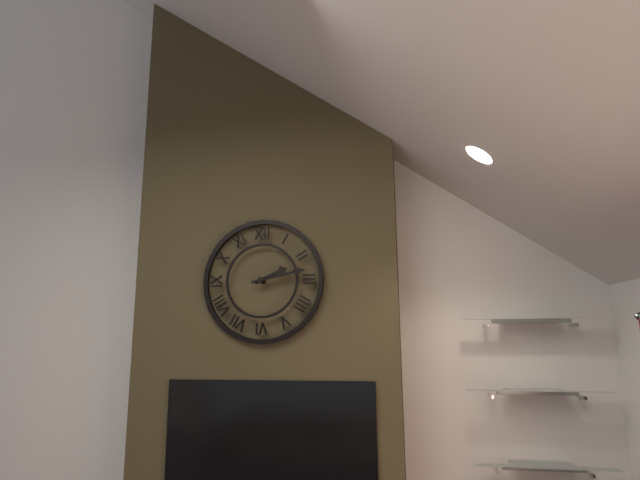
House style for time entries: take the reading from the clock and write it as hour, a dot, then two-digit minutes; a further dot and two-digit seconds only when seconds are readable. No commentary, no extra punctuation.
2.13
